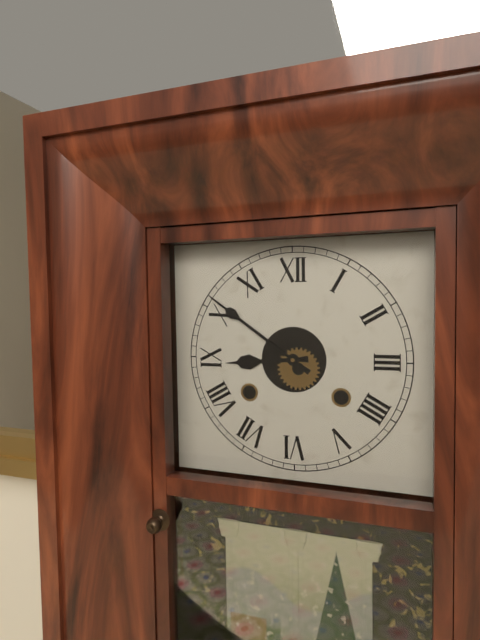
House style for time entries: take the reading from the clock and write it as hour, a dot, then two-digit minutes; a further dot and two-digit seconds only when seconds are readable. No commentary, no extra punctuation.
8.51
